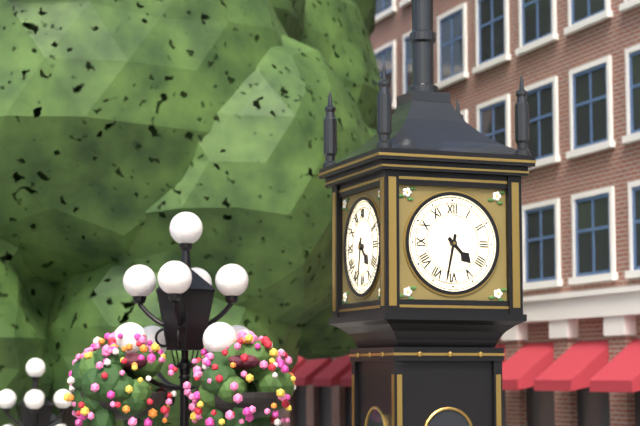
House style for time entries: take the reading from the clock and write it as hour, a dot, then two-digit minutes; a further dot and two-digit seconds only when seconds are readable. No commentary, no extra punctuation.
4.32
